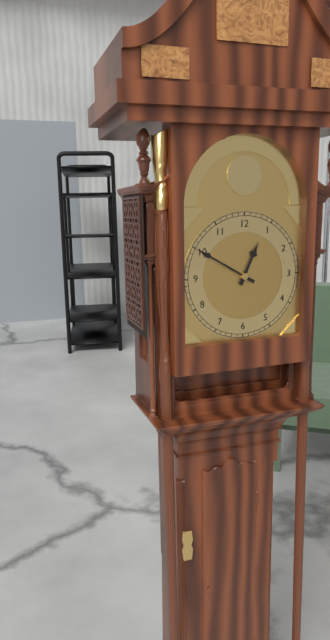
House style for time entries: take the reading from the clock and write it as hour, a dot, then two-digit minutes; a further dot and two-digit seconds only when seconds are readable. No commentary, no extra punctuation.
12.50
